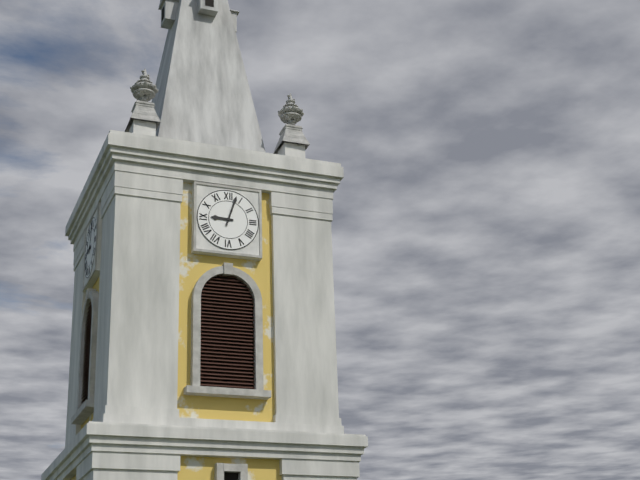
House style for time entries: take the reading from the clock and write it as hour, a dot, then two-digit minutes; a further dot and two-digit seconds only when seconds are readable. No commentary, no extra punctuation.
9.03
